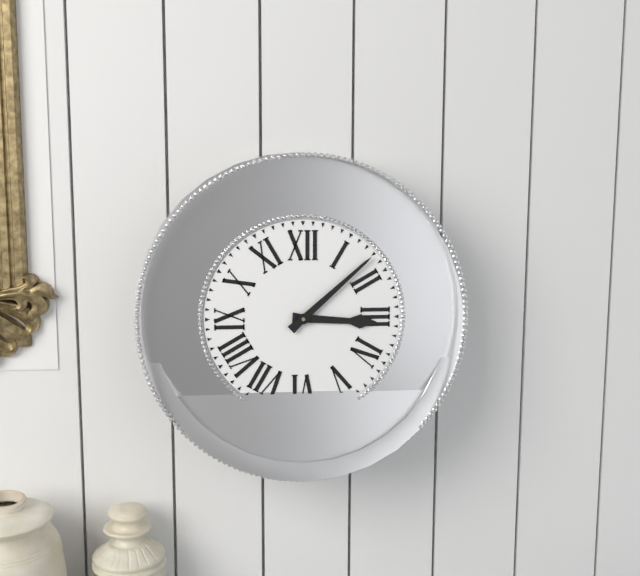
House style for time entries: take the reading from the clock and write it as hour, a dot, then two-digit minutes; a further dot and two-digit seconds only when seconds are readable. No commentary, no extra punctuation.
3.08
